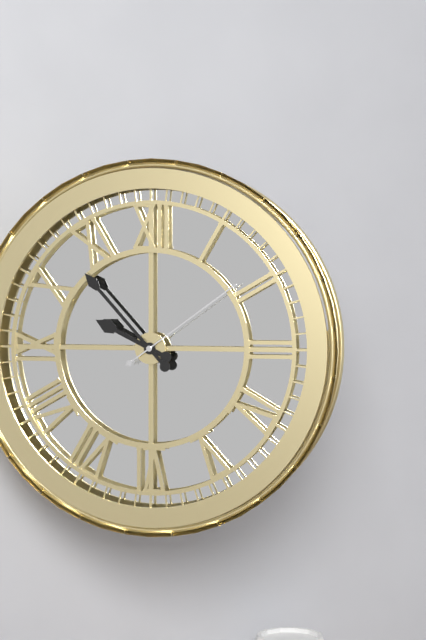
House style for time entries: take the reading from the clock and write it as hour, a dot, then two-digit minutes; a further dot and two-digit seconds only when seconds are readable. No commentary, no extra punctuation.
9.53.09
